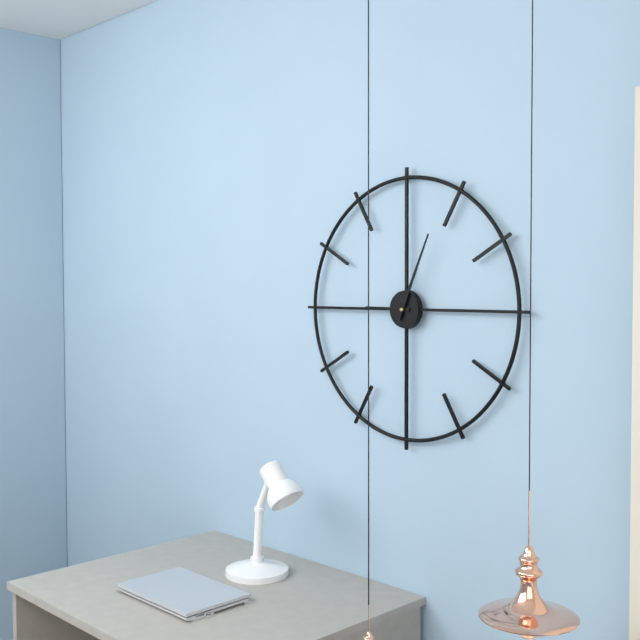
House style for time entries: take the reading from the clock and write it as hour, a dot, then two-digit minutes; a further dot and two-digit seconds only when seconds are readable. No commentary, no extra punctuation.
9.04
